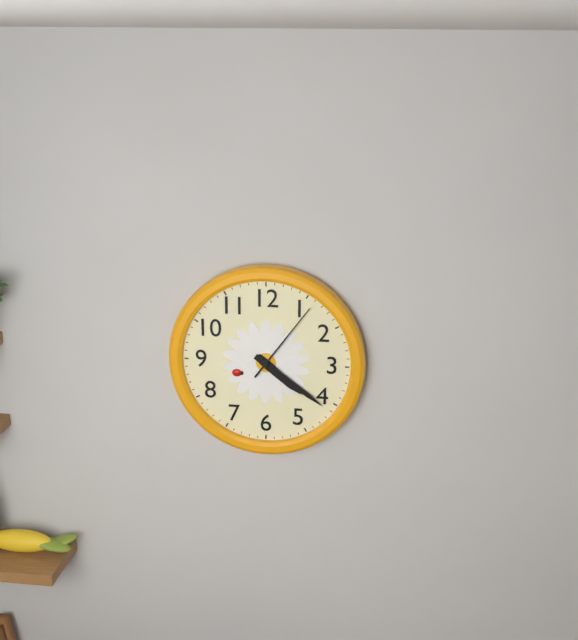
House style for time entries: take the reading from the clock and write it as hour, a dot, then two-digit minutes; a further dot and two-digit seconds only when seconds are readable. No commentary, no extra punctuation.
4.21.06
